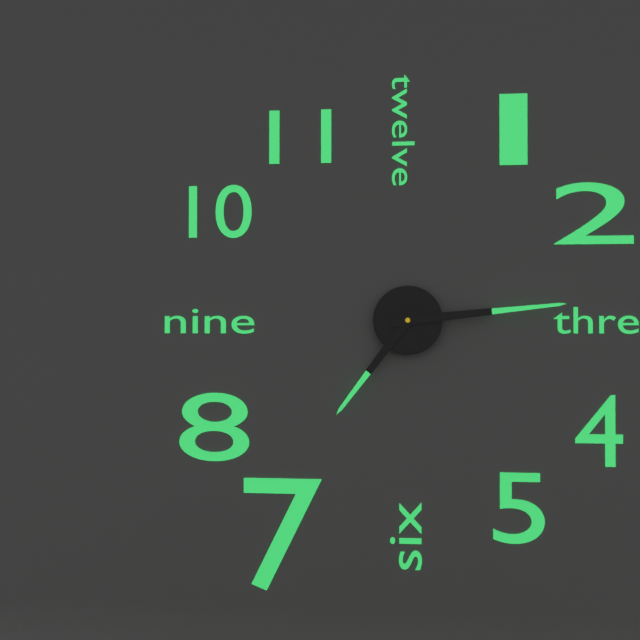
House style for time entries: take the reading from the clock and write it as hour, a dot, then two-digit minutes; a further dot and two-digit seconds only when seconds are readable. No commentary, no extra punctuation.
7.14
